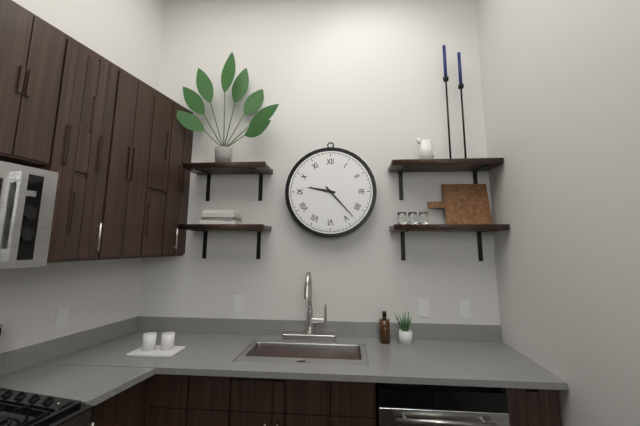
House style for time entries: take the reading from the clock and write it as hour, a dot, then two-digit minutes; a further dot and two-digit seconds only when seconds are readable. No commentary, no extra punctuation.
9.23
